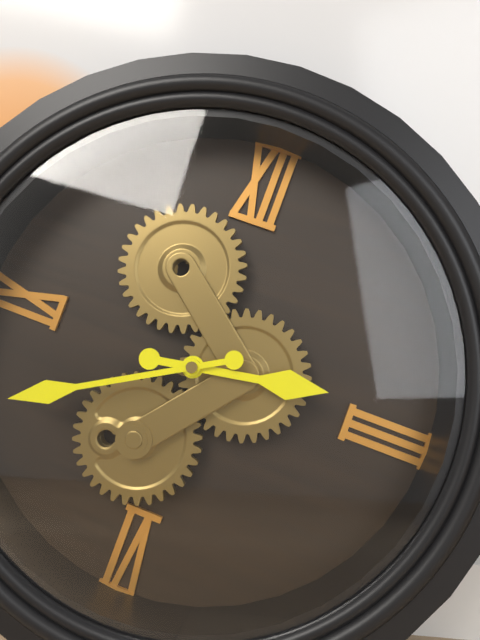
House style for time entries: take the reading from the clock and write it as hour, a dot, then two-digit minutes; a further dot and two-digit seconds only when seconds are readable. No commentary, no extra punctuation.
2.40
